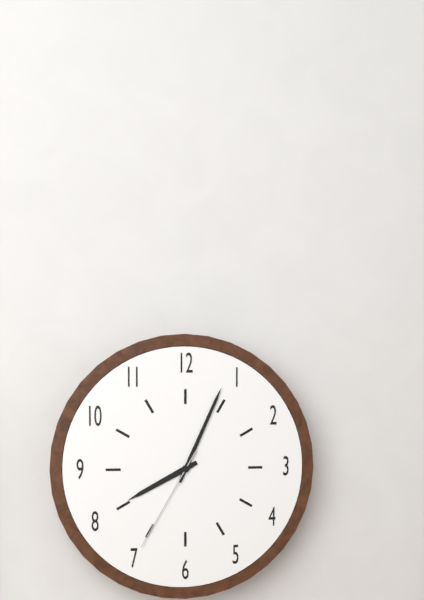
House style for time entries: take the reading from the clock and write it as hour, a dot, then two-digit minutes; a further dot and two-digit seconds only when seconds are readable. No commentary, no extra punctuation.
8.04.35
